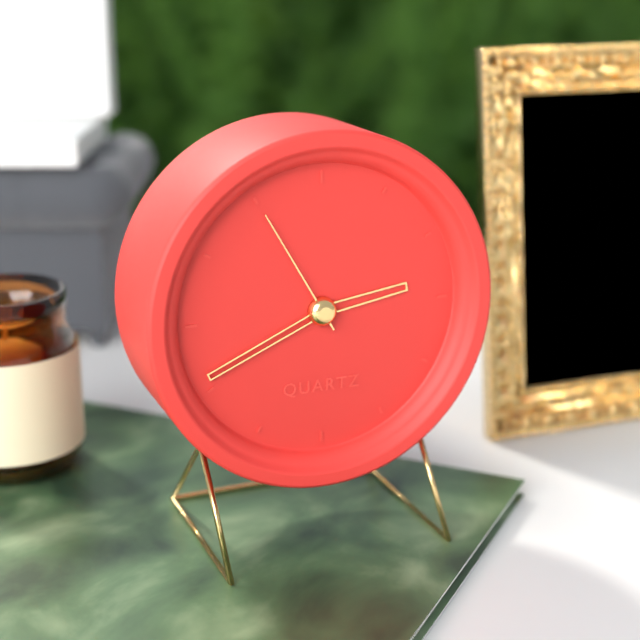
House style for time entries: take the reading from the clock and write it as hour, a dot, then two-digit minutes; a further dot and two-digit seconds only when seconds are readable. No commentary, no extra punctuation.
2.41.55
